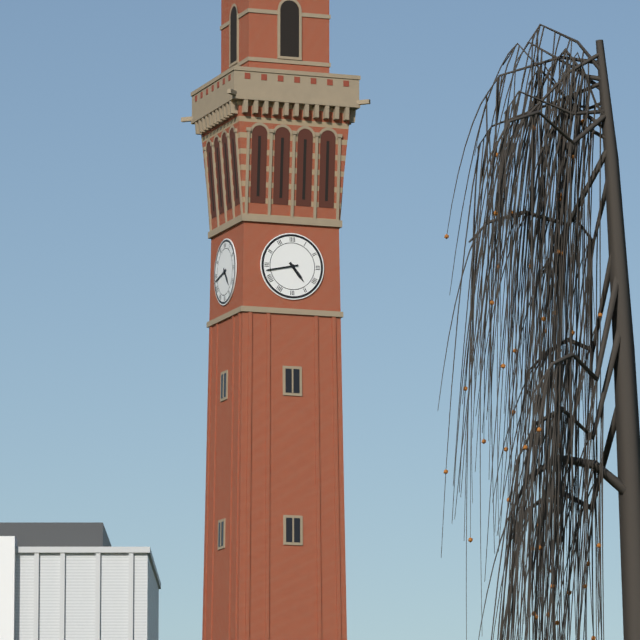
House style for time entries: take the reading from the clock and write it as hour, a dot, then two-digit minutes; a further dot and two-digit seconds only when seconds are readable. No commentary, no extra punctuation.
4.43
